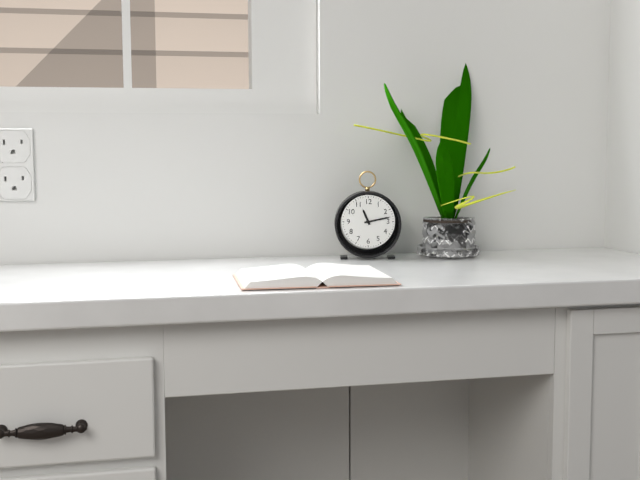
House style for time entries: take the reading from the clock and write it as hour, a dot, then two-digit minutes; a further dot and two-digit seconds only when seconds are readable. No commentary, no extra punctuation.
11.13
